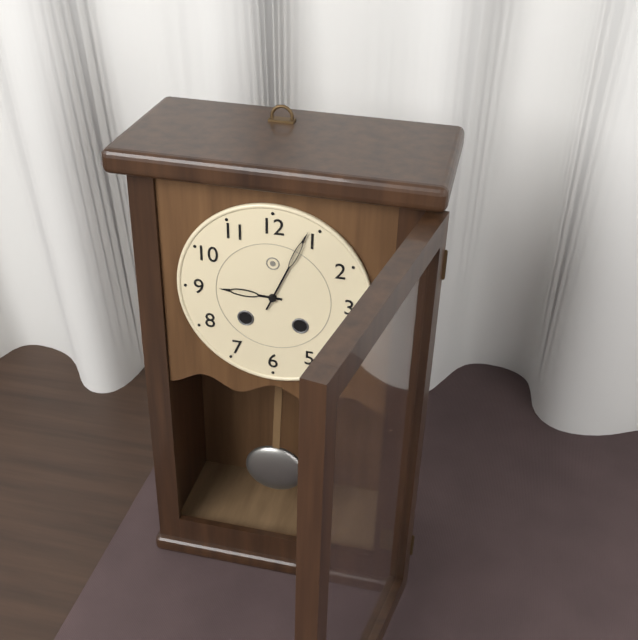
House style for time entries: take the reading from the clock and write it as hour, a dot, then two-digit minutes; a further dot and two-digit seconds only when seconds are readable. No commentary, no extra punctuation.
9.04
